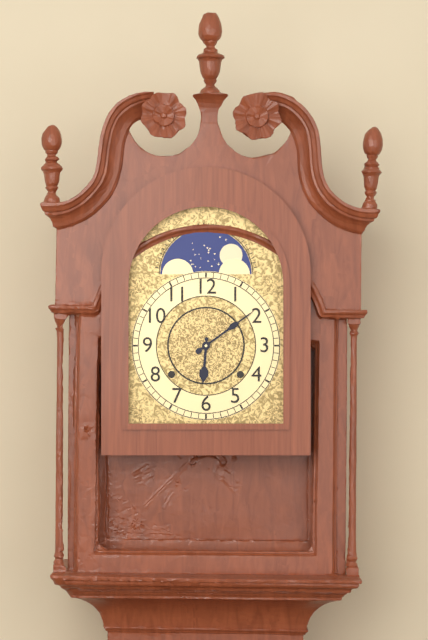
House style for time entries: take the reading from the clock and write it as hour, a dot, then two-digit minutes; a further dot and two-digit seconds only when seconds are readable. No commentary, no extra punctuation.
6.09
